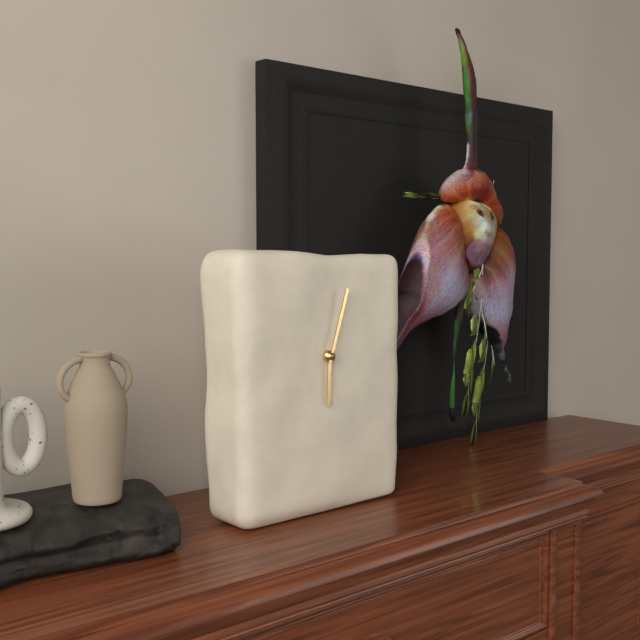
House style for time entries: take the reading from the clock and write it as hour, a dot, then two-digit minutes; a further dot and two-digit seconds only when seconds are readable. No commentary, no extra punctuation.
6.03
